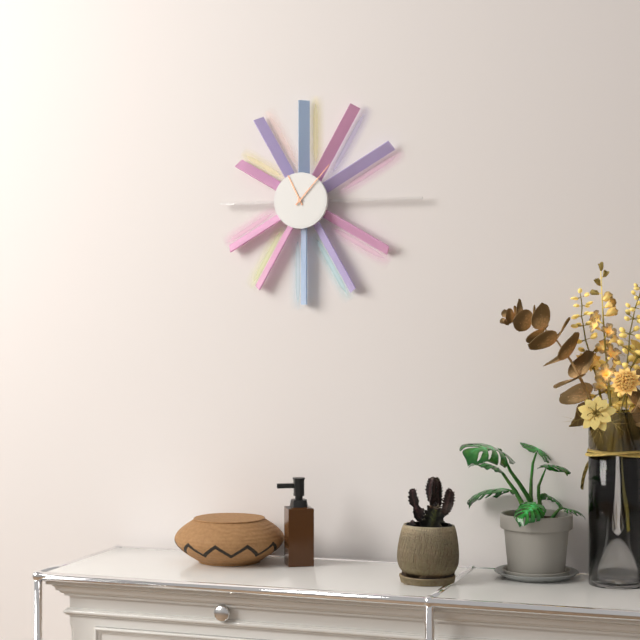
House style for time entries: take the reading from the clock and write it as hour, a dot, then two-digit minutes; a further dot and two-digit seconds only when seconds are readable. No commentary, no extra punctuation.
11.07
